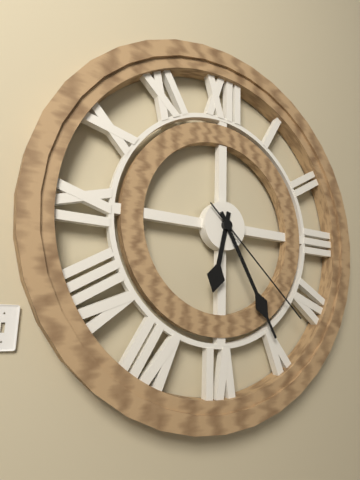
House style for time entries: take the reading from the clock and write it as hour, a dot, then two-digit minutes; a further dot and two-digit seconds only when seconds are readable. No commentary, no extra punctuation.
6.25.22
